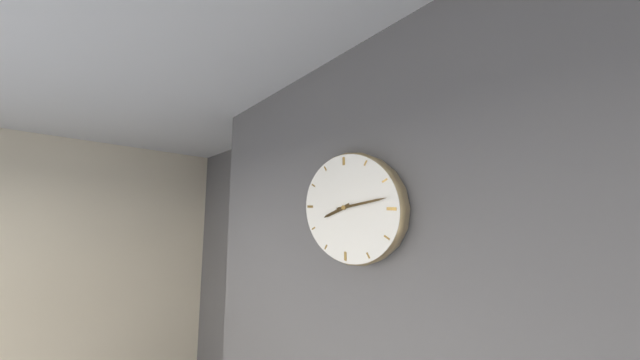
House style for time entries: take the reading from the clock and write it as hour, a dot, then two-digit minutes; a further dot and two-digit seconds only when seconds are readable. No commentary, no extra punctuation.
8.13
